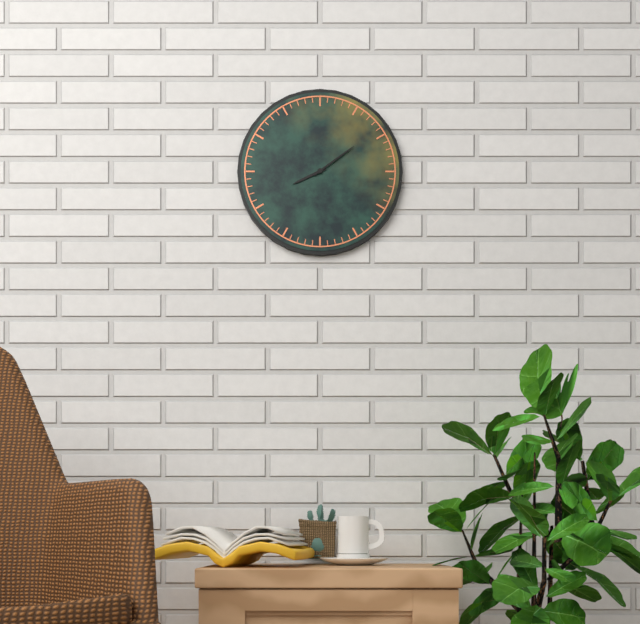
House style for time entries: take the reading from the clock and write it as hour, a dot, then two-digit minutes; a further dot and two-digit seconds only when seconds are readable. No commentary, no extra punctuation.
8.09
